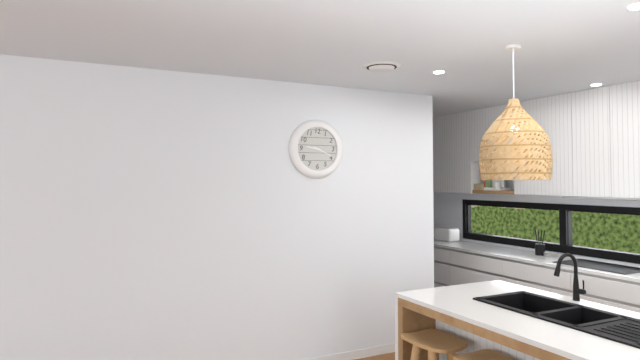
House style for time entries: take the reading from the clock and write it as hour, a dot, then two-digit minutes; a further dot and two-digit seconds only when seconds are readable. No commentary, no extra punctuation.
9.19
